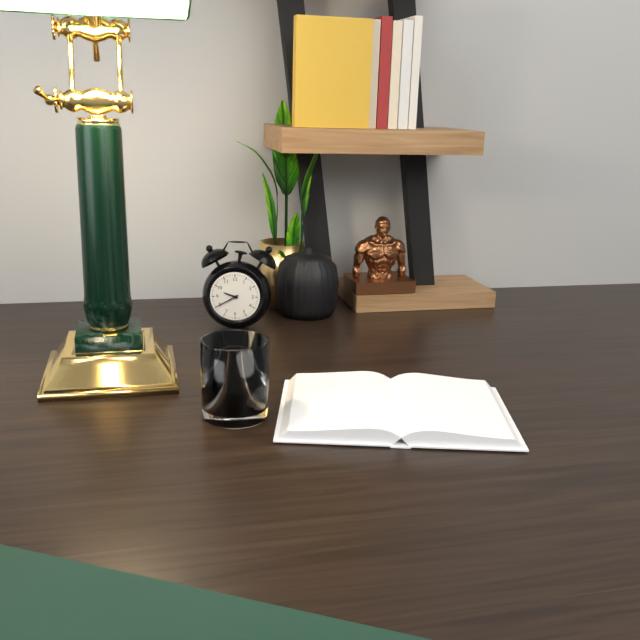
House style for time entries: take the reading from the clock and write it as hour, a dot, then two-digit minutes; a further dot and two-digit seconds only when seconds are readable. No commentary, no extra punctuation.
9.40
